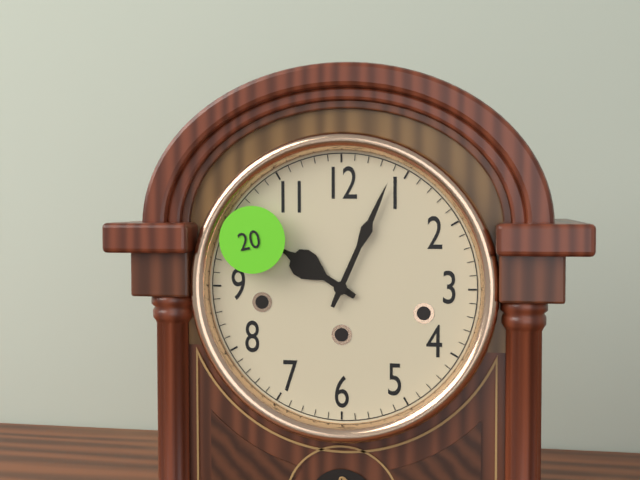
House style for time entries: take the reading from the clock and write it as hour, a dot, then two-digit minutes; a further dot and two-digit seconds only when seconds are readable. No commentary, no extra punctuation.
10.04
